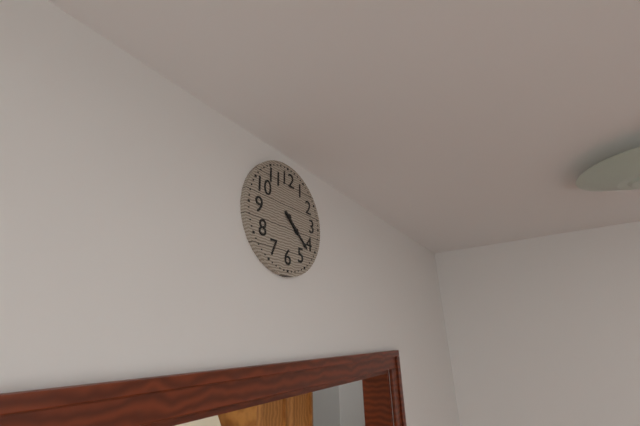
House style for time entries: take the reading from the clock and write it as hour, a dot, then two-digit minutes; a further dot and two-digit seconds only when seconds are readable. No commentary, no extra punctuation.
4.22
